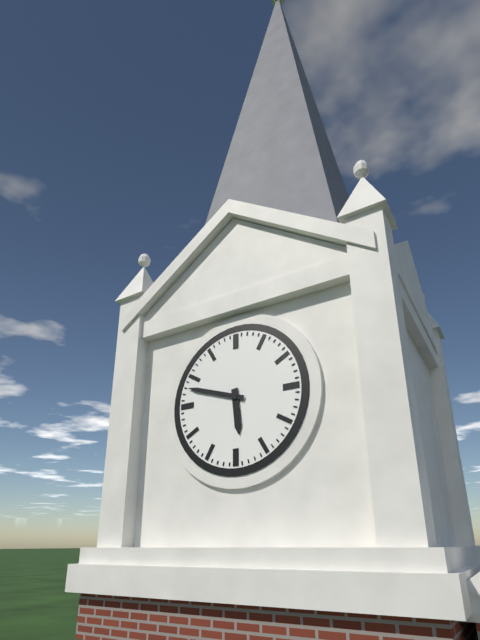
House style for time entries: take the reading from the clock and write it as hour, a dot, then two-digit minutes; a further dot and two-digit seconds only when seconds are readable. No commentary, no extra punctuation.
5.48
